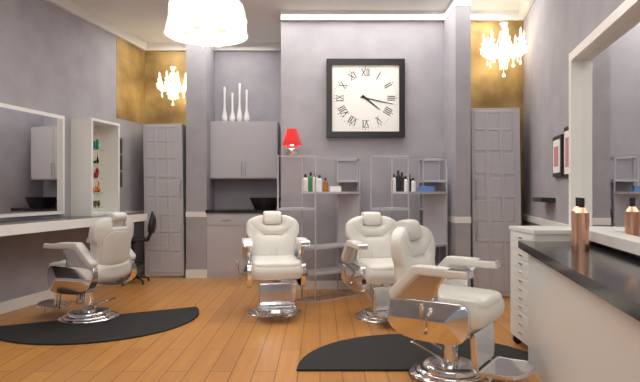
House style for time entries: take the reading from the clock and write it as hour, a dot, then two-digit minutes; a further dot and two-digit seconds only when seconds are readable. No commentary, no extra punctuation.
4.17
